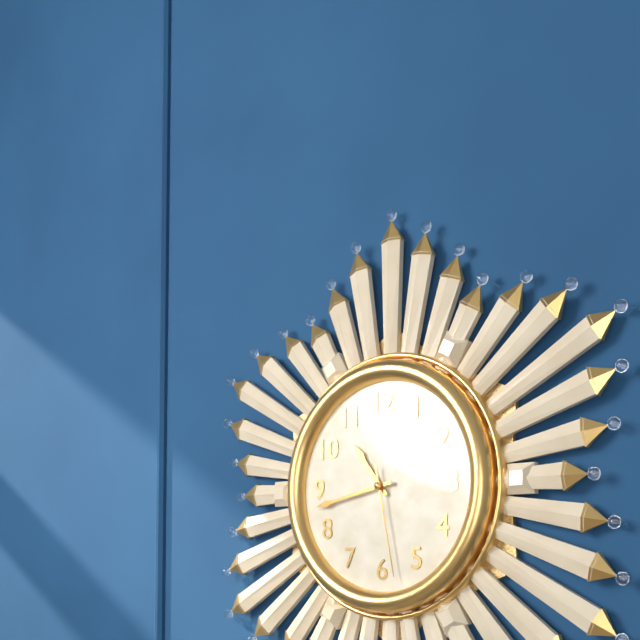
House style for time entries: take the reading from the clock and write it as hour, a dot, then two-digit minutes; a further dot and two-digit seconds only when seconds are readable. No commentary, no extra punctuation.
10.43.28
